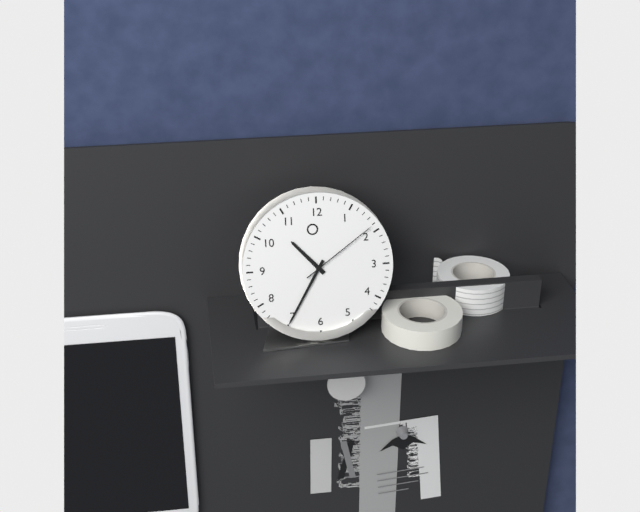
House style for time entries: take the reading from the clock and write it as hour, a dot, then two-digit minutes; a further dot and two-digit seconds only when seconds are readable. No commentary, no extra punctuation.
10.35.09
